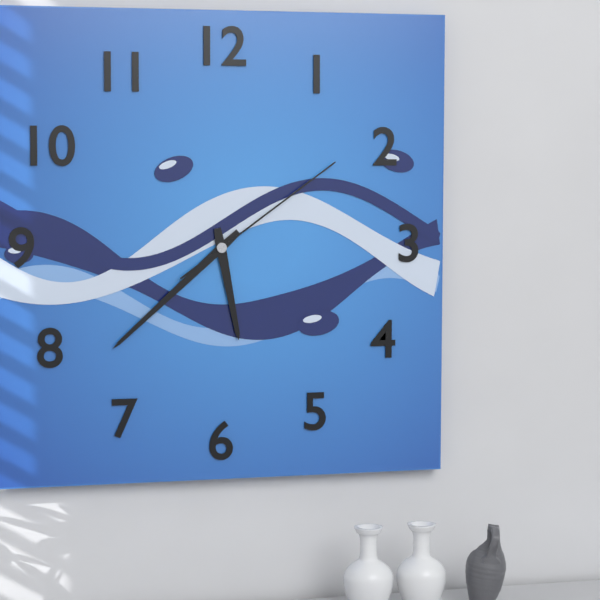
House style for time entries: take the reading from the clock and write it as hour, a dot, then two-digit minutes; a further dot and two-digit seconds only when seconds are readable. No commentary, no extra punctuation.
5.38.09
